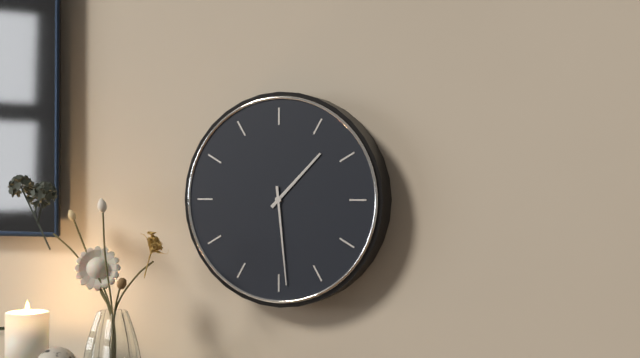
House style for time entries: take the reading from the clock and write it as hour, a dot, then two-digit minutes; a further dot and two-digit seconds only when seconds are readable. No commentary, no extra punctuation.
1.29
